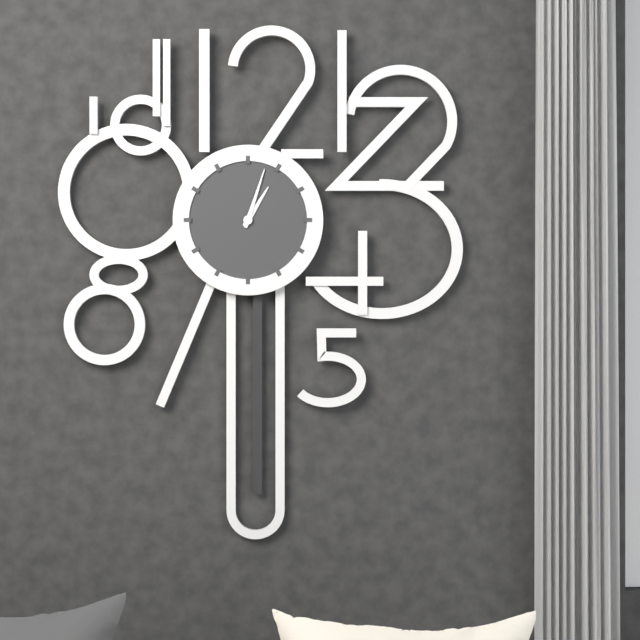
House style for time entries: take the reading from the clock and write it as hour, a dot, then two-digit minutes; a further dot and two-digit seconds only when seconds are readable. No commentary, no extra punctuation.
1.03
